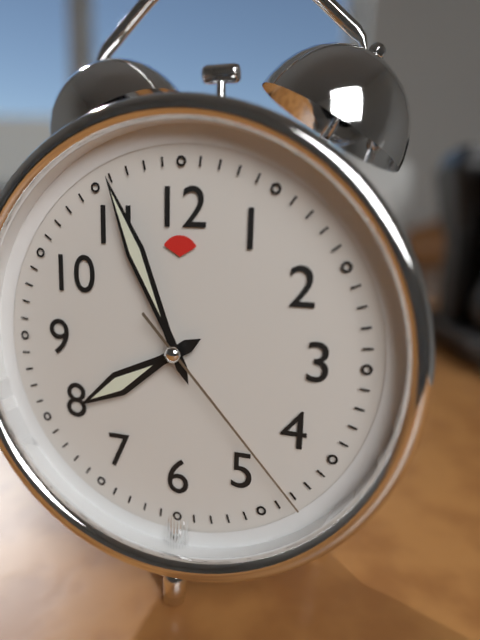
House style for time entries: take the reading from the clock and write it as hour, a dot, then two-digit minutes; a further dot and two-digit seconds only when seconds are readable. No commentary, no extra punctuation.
7.56.23
